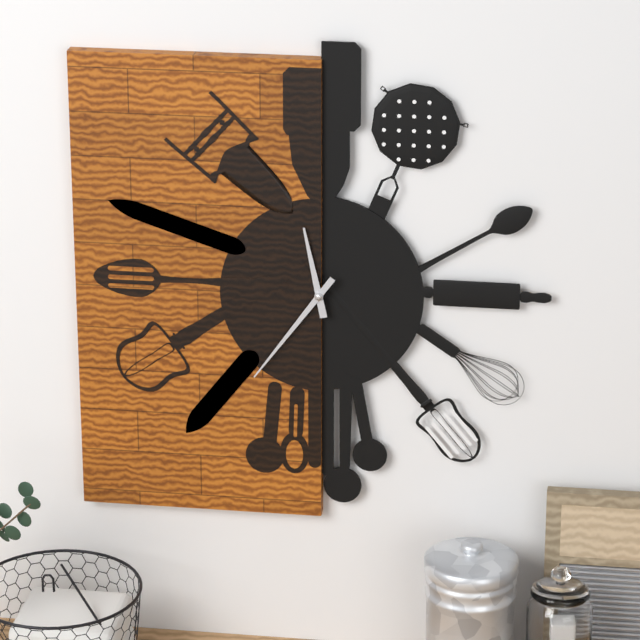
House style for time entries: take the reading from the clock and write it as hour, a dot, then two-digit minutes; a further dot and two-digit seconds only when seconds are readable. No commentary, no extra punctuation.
11.36
